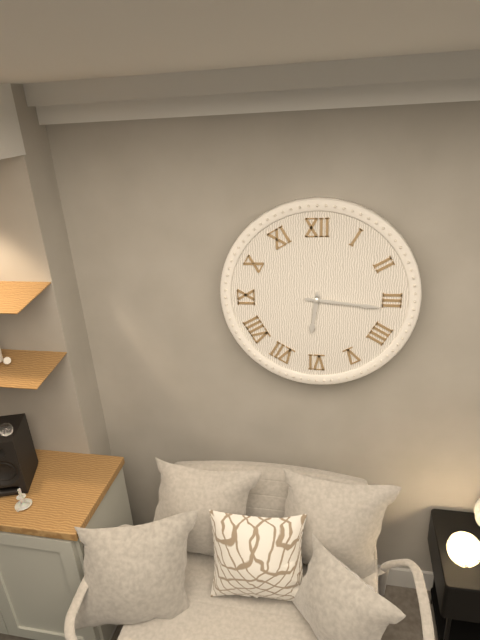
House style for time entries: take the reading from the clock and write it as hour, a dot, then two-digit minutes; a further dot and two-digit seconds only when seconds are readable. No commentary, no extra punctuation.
6.16
